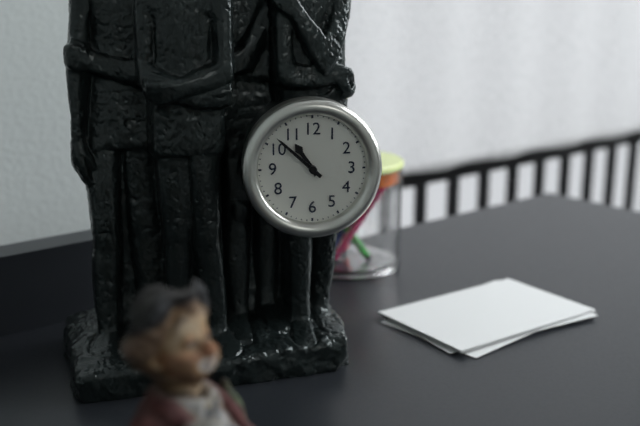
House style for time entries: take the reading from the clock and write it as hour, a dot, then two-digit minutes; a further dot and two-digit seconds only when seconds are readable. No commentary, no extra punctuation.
10.52
